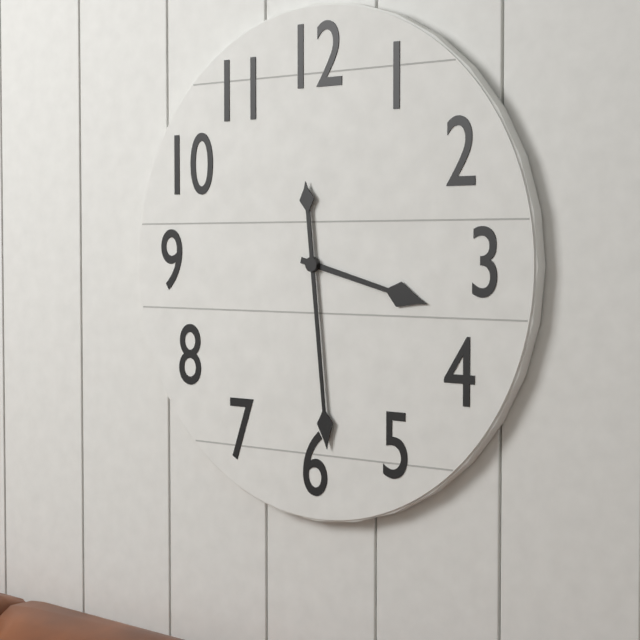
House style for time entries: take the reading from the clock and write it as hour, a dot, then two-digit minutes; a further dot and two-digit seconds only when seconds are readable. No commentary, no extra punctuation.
3.29
